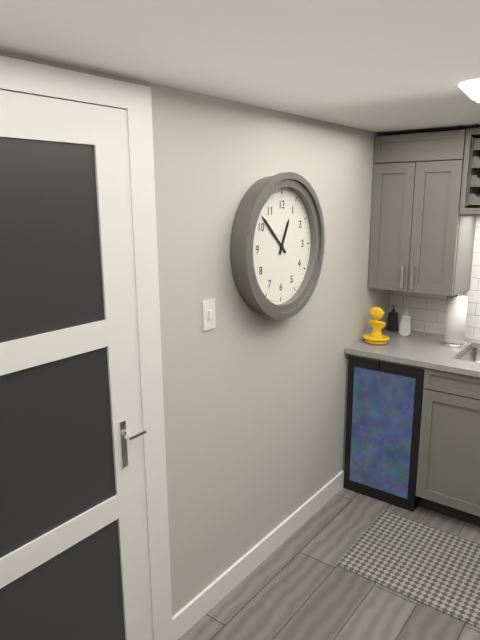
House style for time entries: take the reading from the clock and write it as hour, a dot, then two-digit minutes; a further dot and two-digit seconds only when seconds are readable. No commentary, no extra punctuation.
12.52
